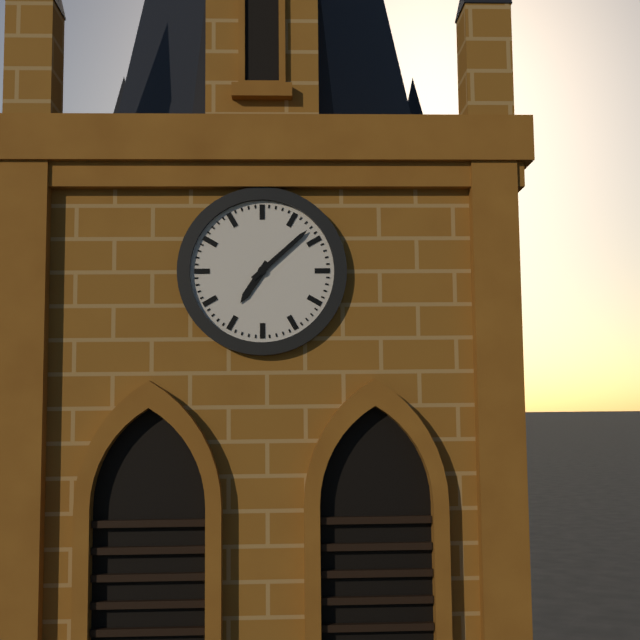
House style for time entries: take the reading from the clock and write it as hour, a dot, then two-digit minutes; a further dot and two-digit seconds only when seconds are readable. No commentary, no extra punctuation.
7.08
